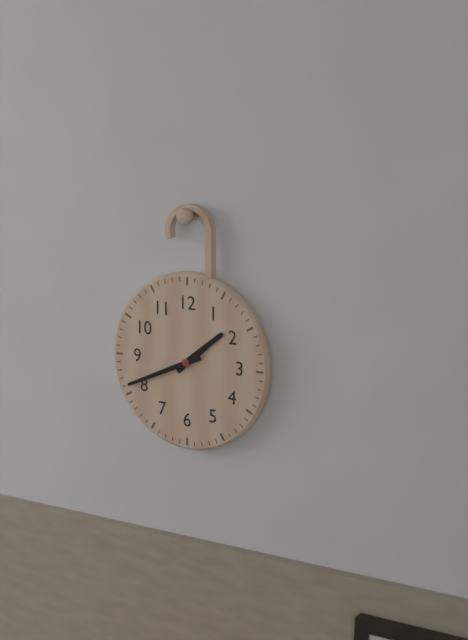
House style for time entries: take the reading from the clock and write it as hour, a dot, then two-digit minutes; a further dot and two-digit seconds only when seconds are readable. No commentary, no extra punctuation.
1.41
